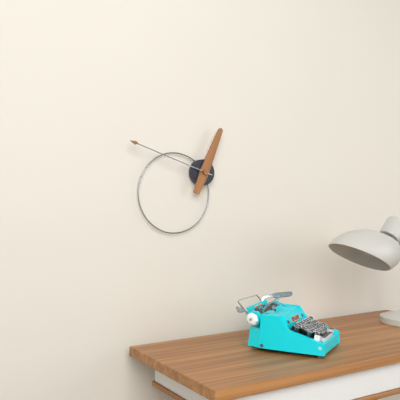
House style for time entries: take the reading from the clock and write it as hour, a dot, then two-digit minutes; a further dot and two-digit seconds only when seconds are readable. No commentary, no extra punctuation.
12.48
